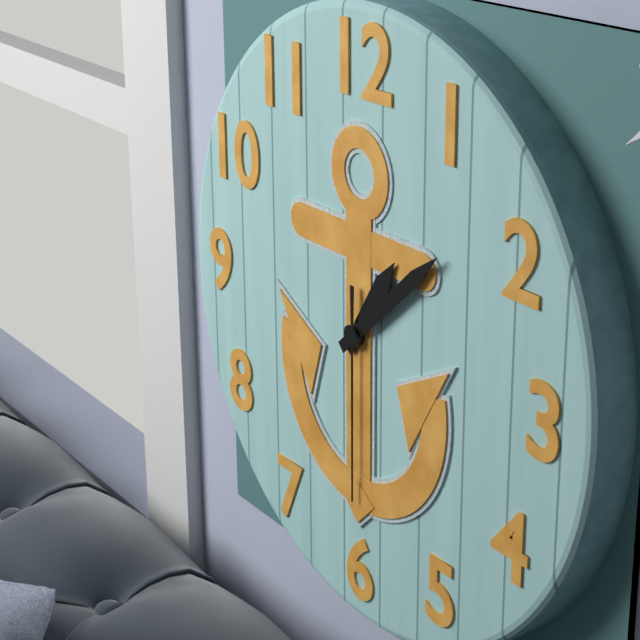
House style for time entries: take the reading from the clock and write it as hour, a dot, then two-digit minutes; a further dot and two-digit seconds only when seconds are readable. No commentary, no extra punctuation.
1.08.30
